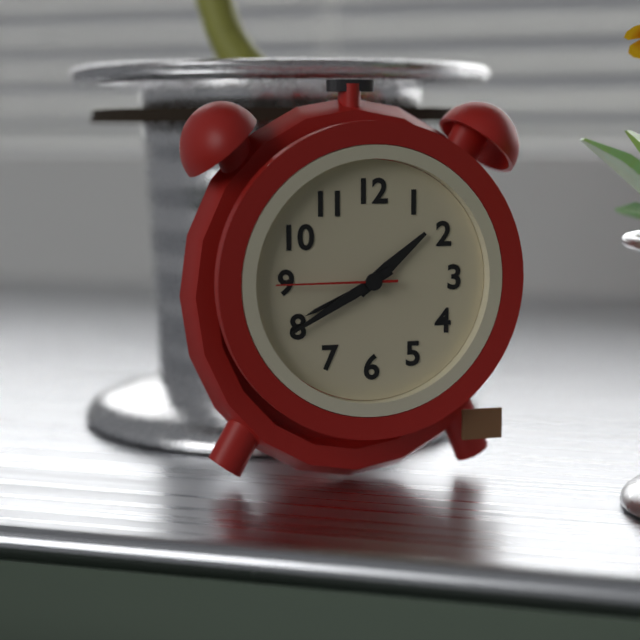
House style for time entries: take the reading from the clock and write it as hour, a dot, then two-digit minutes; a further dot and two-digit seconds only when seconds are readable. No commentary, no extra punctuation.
1.40.45
